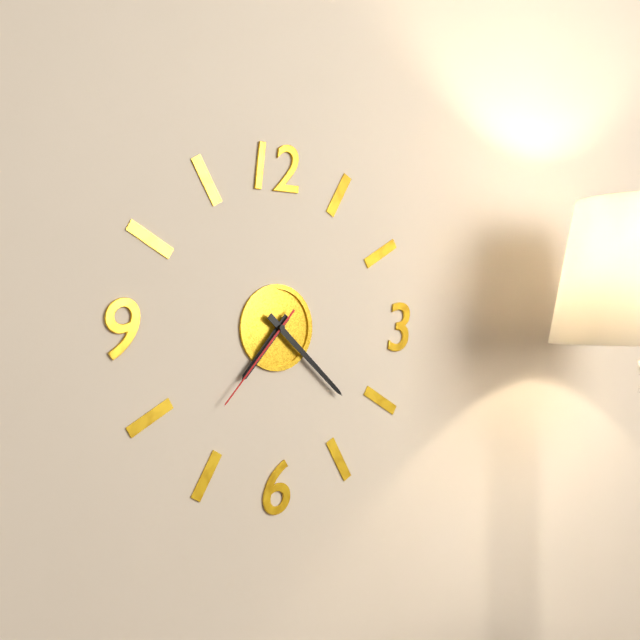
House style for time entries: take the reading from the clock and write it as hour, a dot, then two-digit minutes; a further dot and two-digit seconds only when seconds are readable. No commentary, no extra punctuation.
7.22.37
